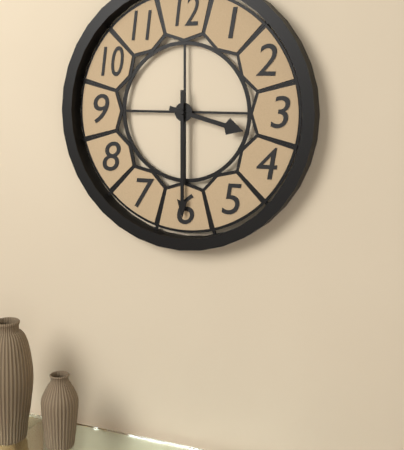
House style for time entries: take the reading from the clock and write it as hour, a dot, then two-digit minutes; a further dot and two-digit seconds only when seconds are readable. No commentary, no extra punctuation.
3.30
